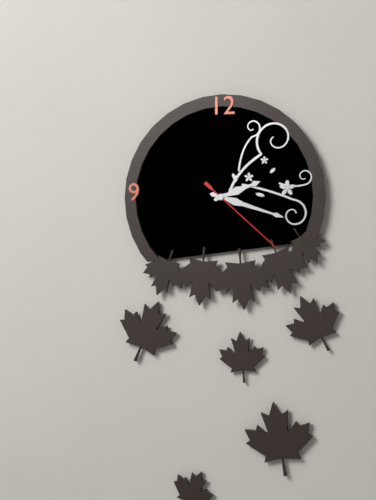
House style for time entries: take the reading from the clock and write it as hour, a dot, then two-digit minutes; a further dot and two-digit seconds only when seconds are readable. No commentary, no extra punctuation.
2.18.22
